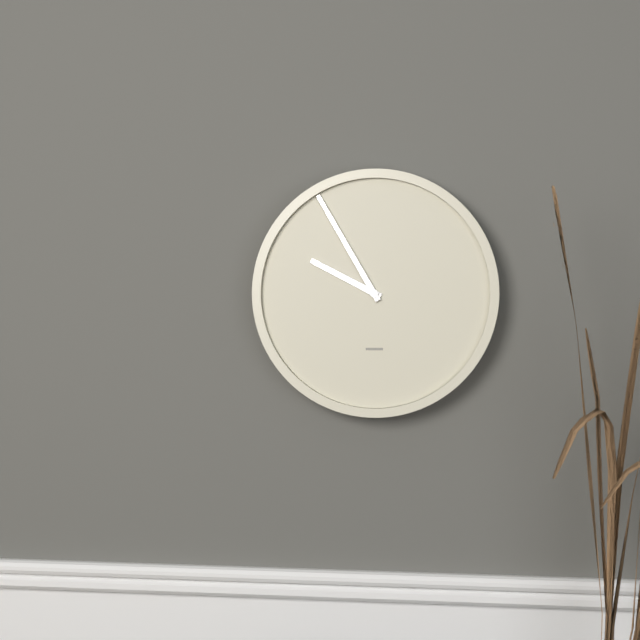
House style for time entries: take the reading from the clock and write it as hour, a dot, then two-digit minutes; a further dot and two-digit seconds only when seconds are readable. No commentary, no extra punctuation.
9.55
